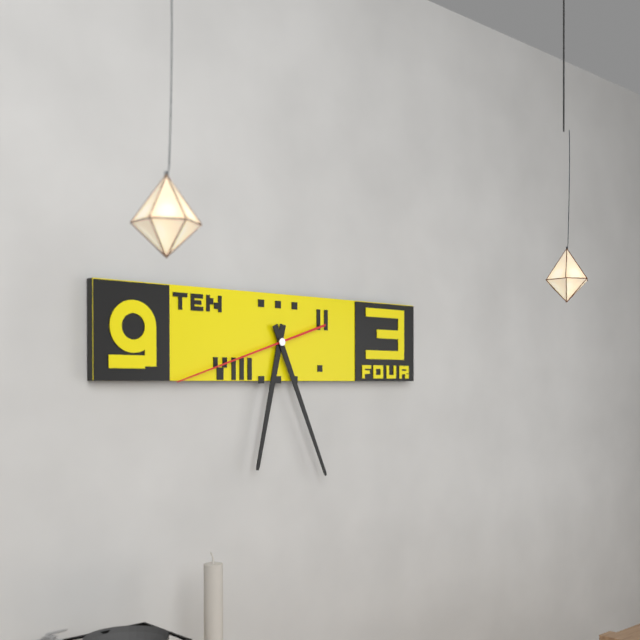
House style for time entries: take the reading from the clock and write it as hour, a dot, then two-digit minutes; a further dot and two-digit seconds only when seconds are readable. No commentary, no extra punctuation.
6.26.42
